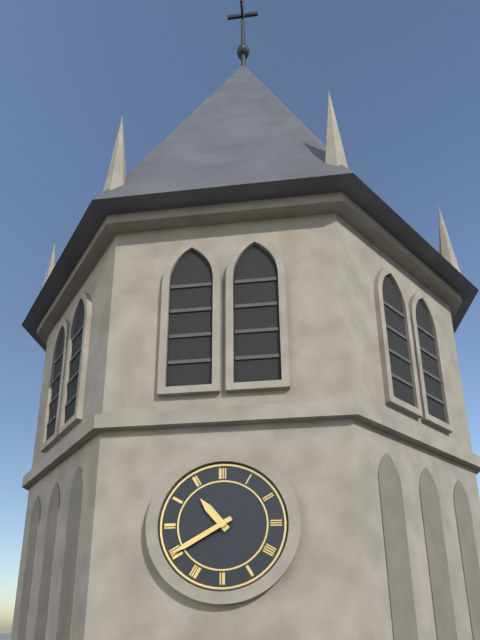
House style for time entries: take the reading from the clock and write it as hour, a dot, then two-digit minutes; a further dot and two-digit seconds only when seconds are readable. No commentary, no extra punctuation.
10.40
